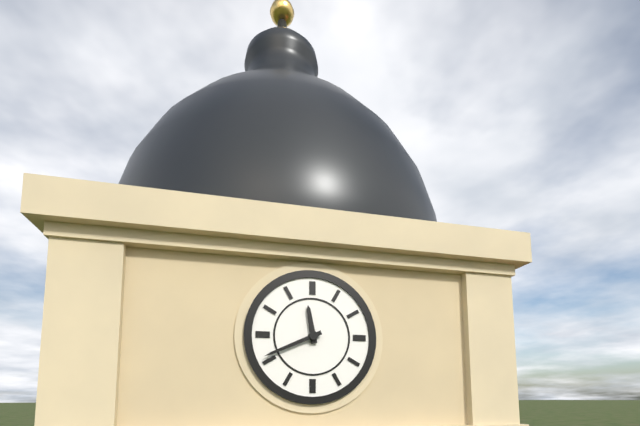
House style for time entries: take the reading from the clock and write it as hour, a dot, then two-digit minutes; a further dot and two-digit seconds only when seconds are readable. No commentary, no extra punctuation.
11.41
